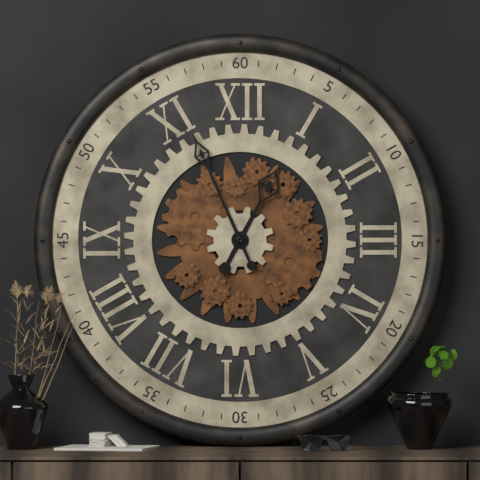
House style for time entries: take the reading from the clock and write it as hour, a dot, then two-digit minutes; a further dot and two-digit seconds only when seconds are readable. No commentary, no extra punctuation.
12.56
